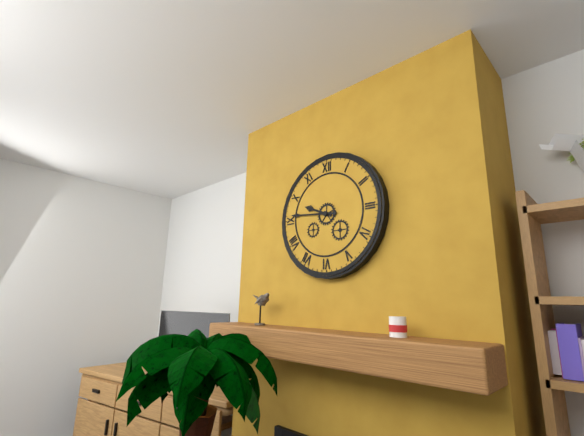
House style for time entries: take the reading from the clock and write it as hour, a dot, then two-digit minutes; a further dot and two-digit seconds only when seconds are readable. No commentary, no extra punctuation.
9.46
